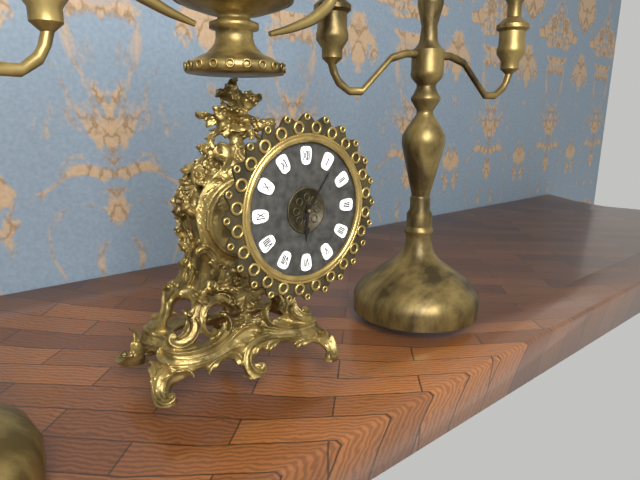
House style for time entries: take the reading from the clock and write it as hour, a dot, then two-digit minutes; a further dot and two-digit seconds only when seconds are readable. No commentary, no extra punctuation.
6.06
